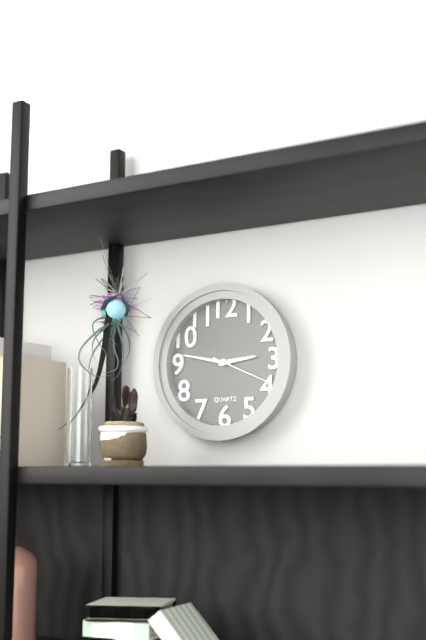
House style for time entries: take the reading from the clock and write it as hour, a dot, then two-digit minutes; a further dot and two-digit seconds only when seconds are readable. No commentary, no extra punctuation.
2.47.19
